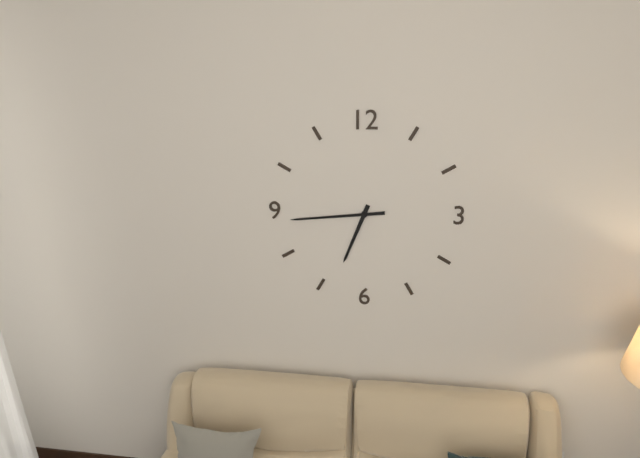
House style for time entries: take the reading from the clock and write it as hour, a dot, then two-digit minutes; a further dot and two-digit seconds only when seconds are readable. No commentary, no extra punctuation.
6.44
